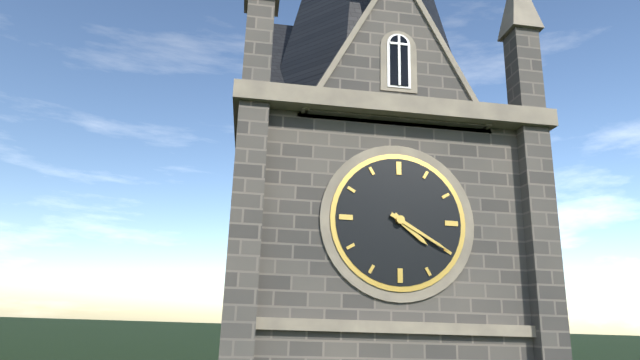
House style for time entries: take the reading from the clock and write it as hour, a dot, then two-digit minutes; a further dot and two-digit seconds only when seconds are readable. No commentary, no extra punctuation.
4.20
